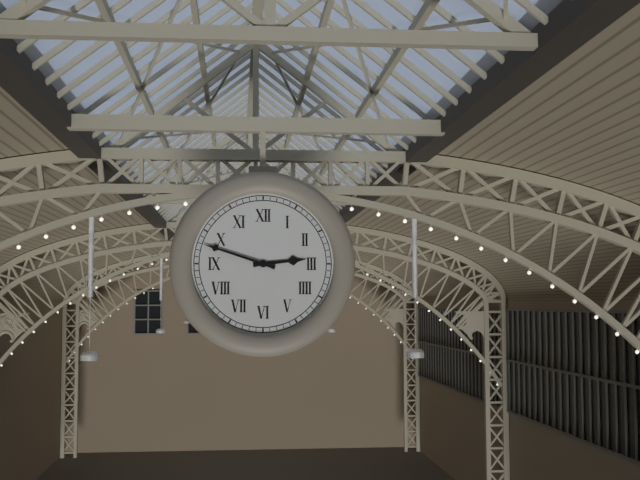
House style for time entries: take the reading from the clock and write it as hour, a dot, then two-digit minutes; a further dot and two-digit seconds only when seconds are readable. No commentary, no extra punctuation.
2.48
